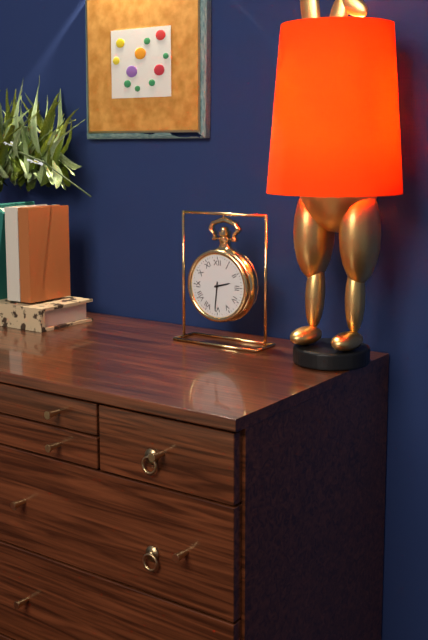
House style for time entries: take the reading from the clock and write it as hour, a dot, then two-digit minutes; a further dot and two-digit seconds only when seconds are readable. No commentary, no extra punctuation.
2.31
